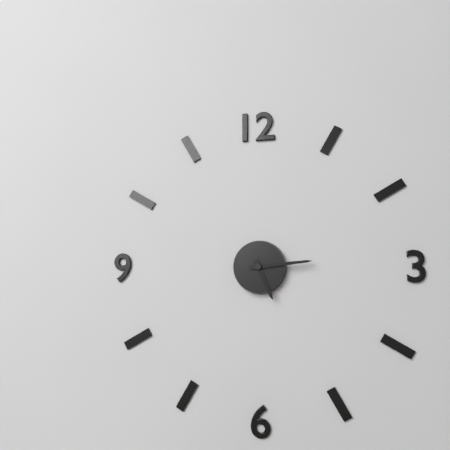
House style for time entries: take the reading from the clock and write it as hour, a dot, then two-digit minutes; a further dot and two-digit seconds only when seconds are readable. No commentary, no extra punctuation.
5.14
